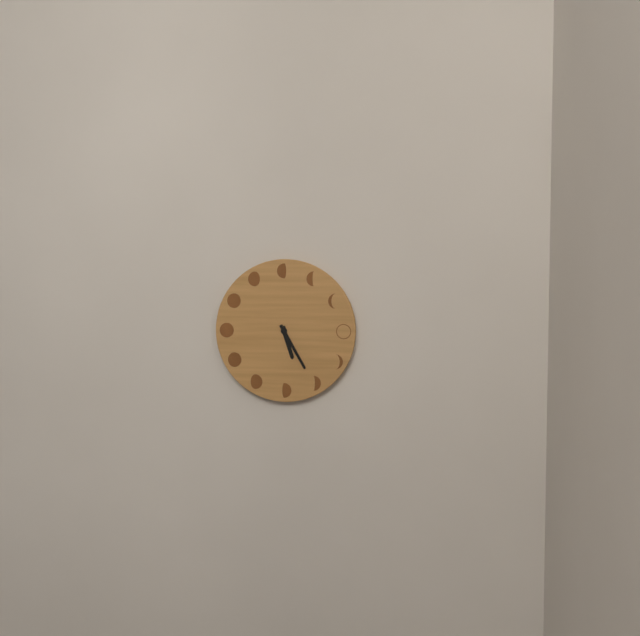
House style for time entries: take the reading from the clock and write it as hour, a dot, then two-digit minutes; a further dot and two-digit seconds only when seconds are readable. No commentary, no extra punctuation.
5.25
